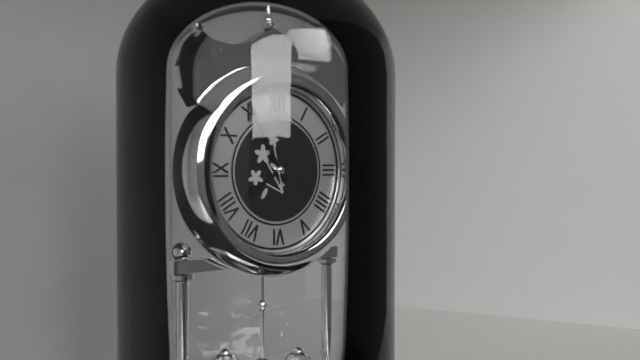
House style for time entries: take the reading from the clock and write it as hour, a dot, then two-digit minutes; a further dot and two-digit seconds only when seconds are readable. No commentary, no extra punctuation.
7.55
